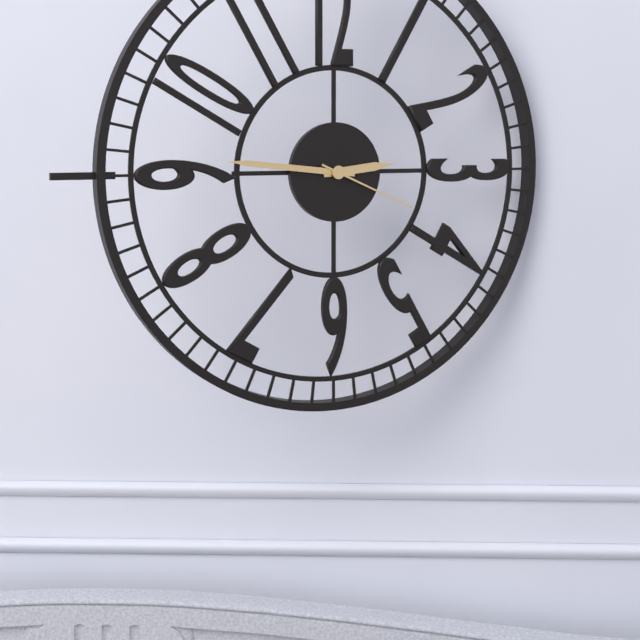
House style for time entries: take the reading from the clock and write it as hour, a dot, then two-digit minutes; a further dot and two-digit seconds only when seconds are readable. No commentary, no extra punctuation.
2.46.19
